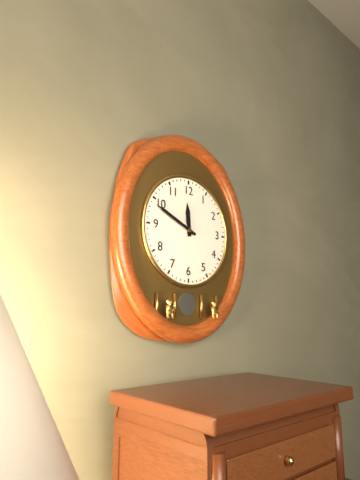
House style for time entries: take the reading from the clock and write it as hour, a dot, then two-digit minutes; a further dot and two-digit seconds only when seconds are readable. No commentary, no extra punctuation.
11.49
